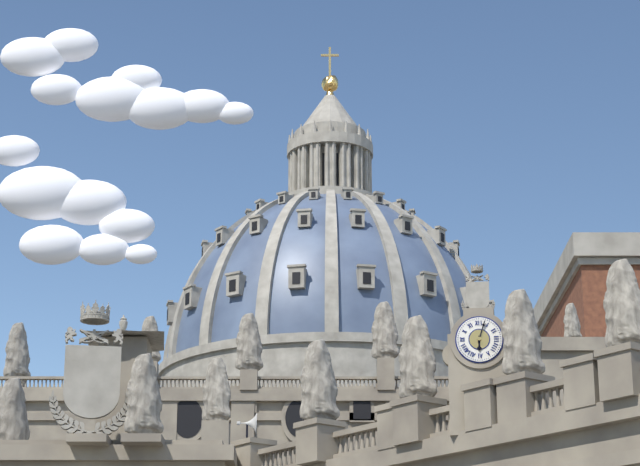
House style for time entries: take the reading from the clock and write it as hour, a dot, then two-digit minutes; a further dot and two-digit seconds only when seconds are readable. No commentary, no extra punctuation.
6.03
